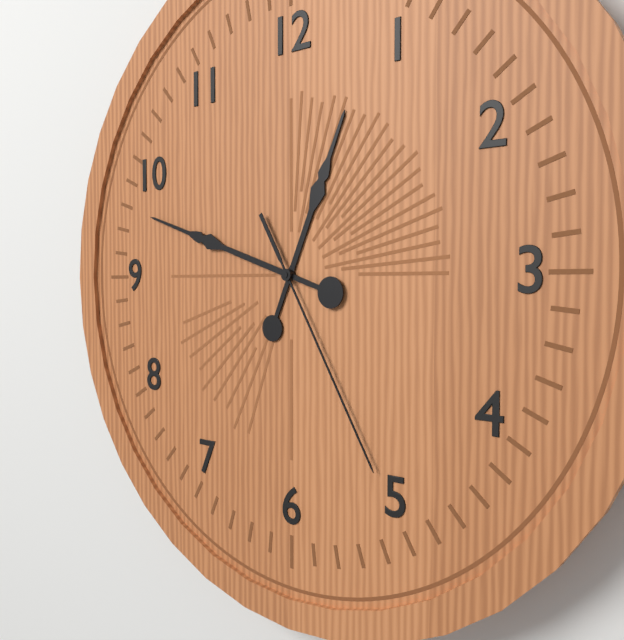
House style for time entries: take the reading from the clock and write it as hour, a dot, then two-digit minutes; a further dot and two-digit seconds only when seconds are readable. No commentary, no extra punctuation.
12.48.25
